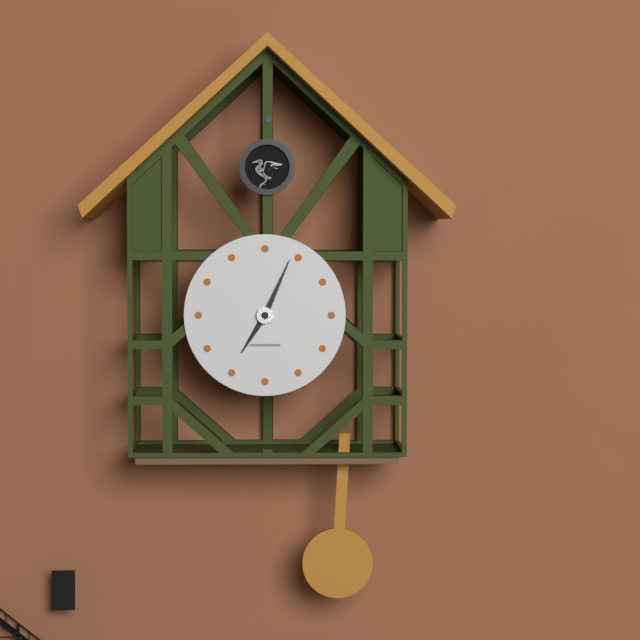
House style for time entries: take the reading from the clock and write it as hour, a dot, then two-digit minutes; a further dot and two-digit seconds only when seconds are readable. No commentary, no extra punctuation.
7.04
